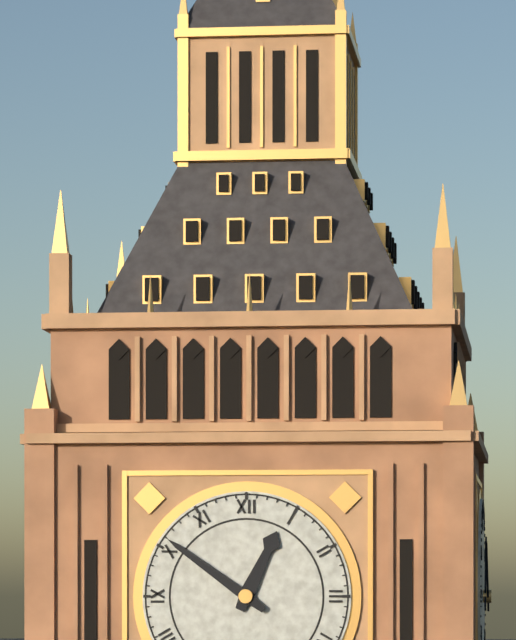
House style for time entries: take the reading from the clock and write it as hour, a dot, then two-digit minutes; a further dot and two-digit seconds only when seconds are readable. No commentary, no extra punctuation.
12.51
